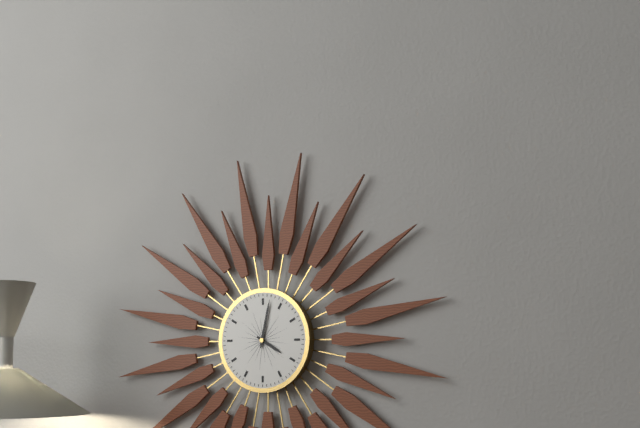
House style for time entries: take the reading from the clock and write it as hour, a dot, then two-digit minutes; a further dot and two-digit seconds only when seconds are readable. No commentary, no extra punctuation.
4.02
